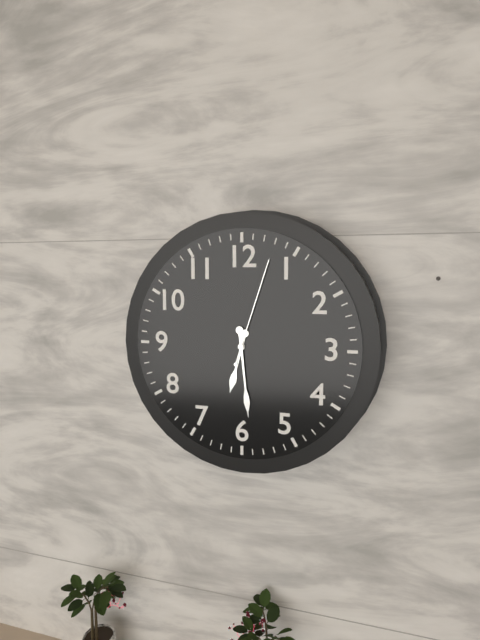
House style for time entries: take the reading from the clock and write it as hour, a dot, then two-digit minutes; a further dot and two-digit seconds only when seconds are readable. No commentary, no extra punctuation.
6.29.03
